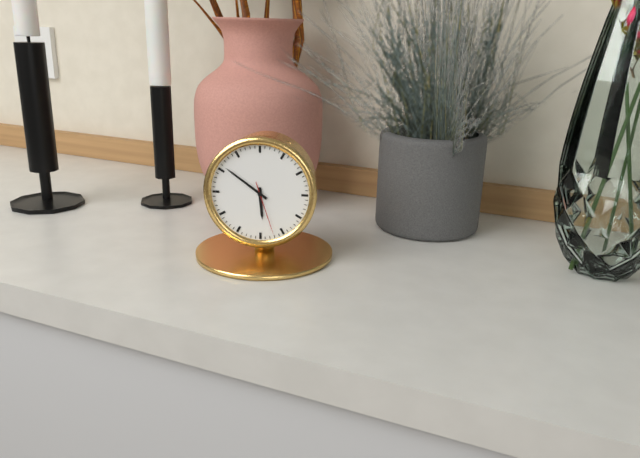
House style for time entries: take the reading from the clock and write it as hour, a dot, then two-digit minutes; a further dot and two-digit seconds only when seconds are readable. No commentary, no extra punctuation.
5.51.27
